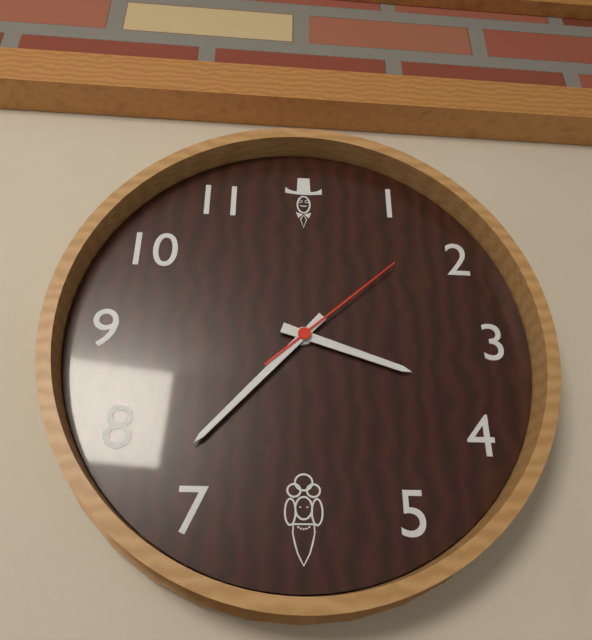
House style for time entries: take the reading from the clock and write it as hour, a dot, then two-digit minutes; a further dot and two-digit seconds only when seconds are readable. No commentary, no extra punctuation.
3.37.08
